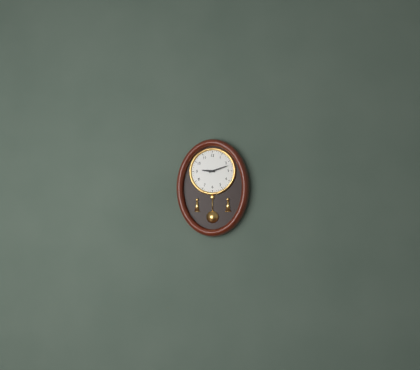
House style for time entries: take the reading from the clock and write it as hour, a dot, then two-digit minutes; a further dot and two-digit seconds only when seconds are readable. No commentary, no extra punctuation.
9.12
